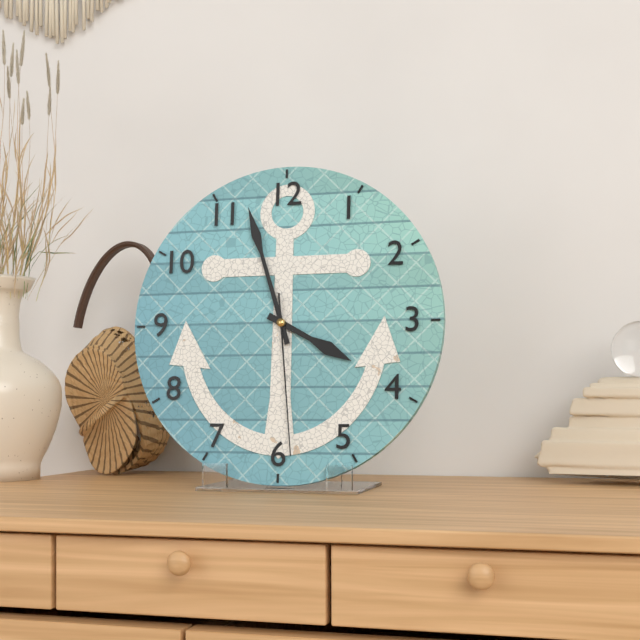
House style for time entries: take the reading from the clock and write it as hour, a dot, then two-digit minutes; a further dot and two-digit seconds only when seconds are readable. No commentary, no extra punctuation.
3.57.29
